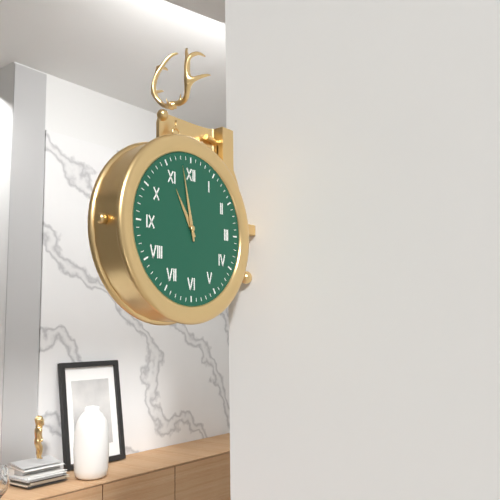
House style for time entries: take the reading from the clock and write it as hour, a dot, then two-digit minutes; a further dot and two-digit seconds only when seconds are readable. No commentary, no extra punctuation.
10.58
